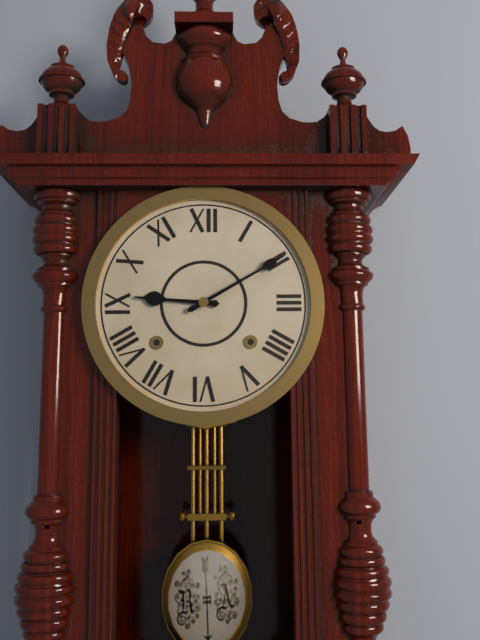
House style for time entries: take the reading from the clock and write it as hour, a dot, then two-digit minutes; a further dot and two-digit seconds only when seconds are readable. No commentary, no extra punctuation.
9.10
